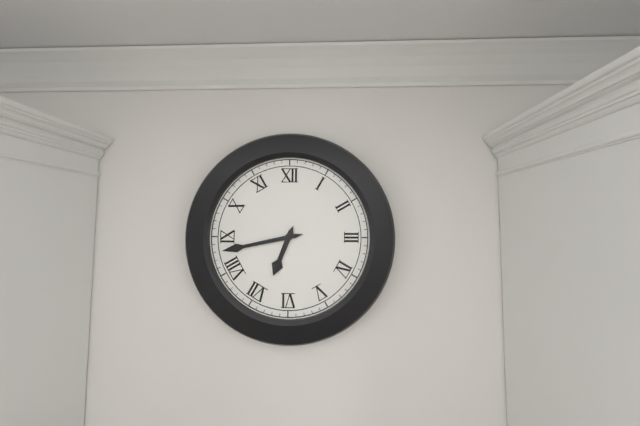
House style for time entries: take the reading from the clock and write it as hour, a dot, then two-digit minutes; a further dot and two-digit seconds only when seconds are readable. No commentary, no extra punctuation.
6.43
